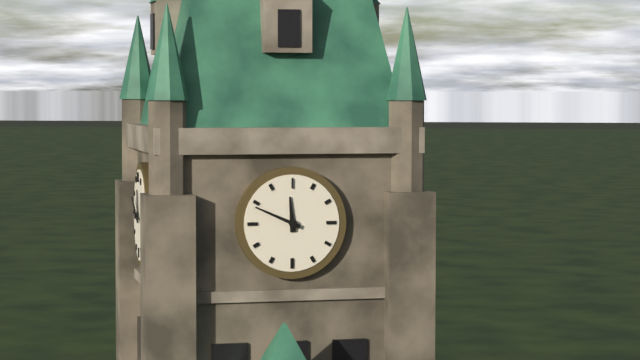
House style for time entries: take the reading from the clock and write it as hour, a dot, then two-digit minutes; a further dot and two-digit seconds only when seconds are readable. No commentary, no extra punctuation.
11.49
